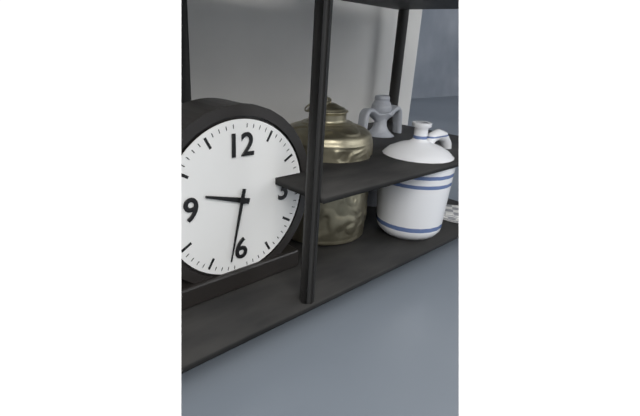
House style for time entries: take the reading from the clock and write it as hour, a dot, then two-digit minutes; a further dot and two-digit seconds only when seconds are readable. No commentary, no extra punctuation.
9.32
